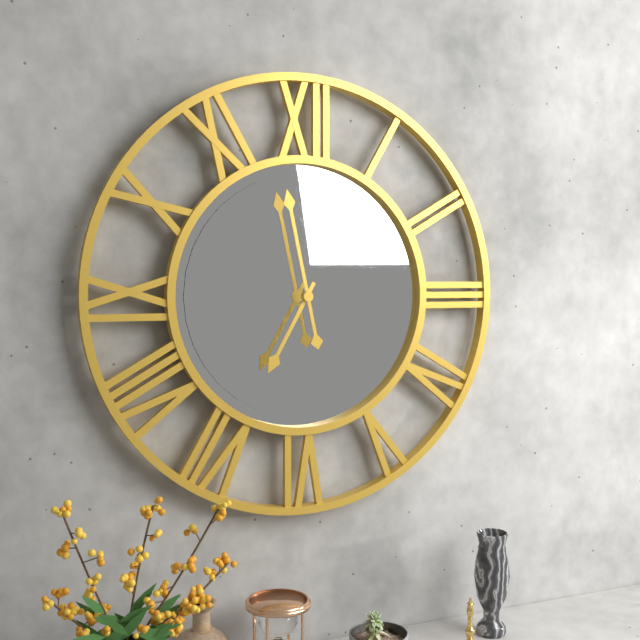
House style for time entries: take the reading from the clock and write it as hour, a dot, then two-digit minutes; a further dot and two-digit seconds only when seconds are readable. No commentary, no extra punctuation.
6.58
